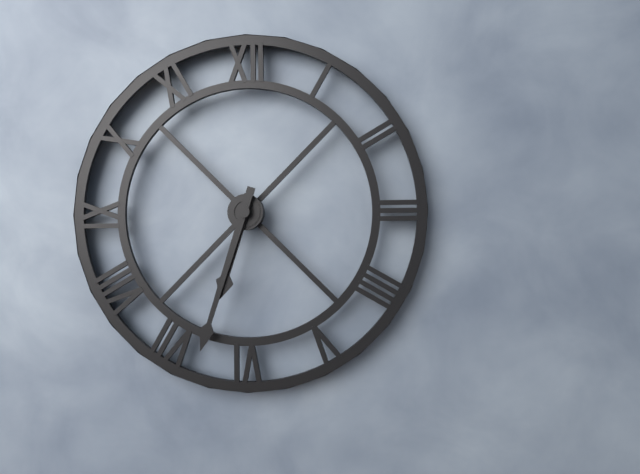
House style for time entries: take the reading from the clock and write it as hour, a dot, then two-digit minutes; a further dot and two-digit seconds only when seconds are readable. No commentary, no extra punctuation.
6.33
